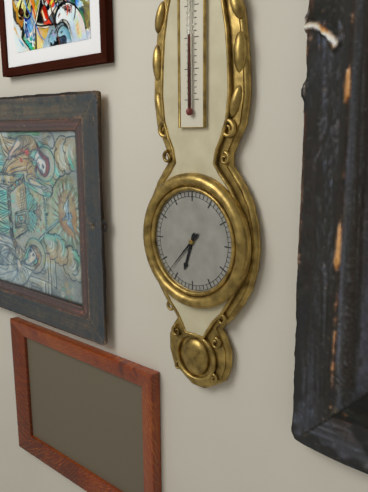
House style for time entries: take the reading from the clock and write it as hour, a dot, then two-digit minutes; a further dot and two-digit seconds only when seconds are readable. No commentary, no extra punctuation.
6.37
